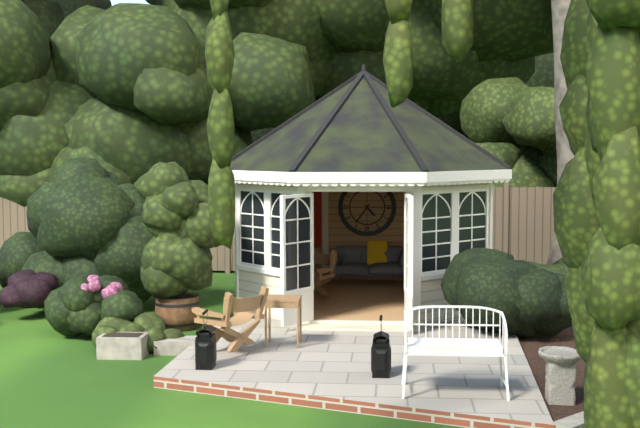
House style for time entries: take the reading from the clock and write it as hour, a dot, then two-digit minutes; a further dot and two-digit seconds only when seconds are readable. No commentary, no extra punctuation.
4.36
